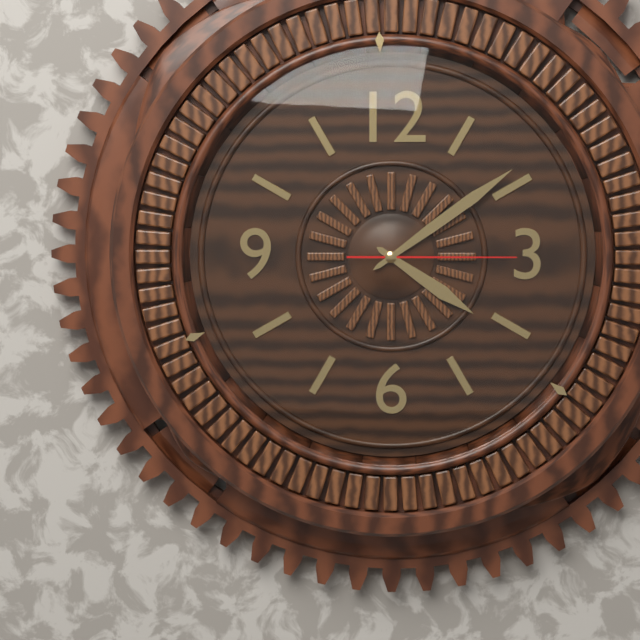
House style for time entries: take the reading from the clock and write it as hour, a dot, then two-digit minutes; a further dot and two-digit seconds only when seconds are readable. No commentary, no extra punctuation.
4.09.15
